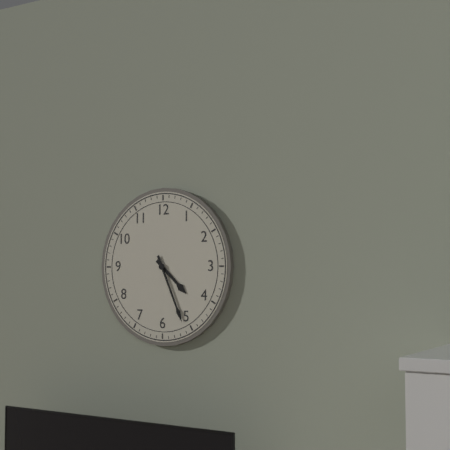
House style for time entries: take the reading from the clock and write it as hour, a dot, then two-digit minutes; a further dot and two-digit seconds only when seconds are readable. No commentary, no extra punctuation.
4.26
